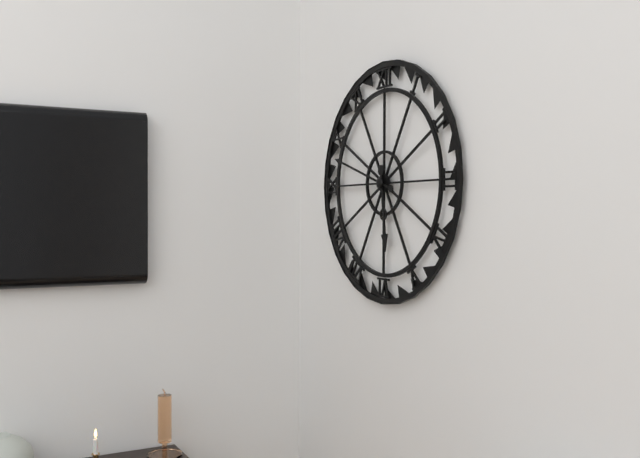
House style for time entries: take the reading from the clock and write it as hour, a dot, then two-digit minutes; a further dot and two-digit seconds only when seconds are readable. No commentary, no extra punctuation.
5.48
